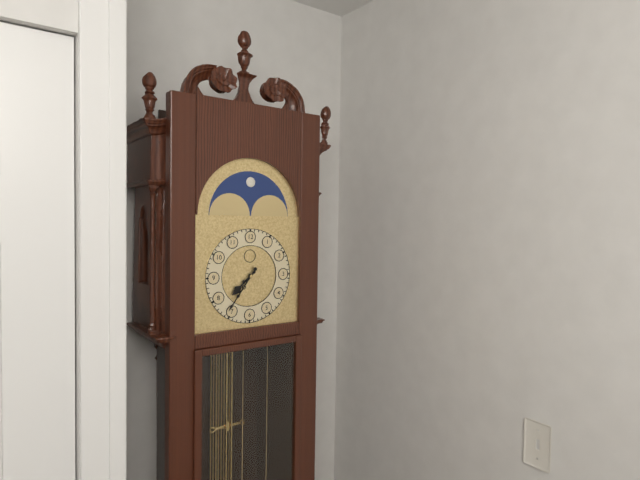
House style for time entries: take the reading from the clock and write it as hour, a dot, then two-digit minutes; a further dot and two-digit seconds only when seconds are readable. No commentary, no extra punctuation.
7.36
